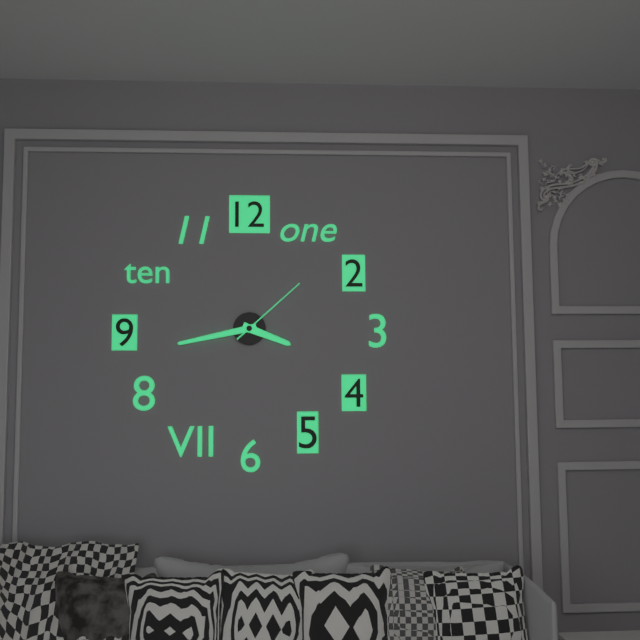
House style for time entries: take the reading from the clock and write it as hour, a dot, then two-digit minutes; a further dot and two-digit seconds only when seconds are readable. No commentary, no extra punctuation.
3.43.08
